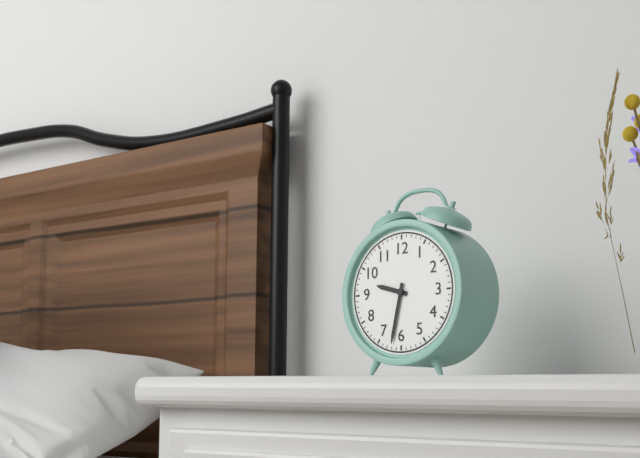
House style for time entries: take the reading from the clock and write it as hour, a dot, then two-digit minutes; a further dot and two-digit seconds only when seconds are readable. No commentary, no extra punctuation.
9.32
